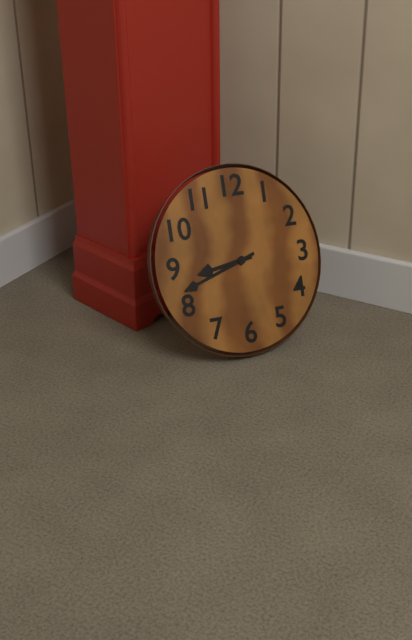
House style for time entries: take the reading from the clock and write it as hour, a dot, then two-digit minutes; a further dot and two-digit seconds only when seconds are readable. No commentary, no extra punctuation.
8.42
